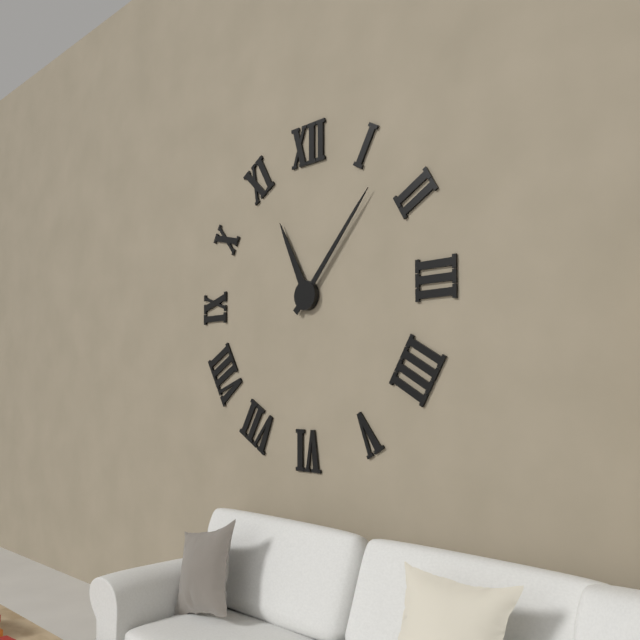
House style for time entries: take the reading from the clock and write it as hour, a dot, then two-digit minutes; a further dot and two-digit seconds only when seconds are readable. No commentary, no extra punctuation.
11.07
